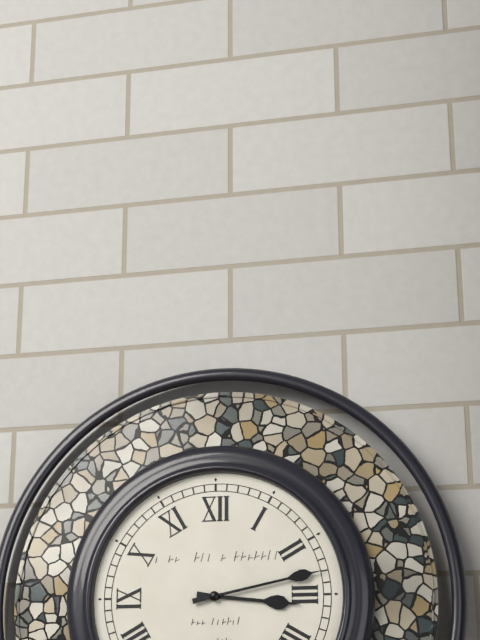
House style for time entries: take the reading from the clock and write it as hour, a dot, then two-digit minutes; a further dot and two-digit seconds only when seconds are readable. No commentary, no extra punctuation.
3.13
